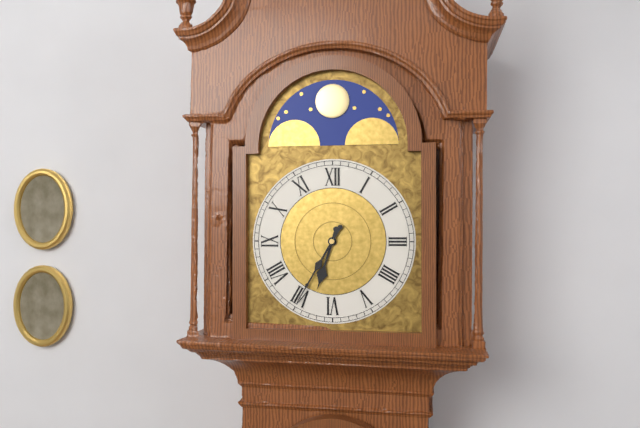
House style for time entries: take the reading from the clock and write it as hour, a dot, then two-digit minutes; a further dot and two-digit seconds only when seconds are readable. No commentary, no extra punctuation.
6.35
